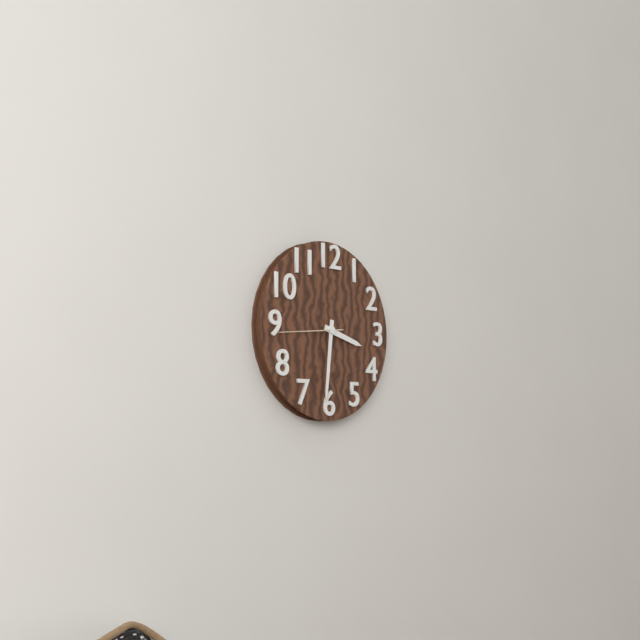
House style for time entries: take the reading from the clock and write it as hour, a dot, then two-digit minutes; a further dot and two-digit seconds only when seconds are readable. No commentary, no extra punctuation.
3.31.44
